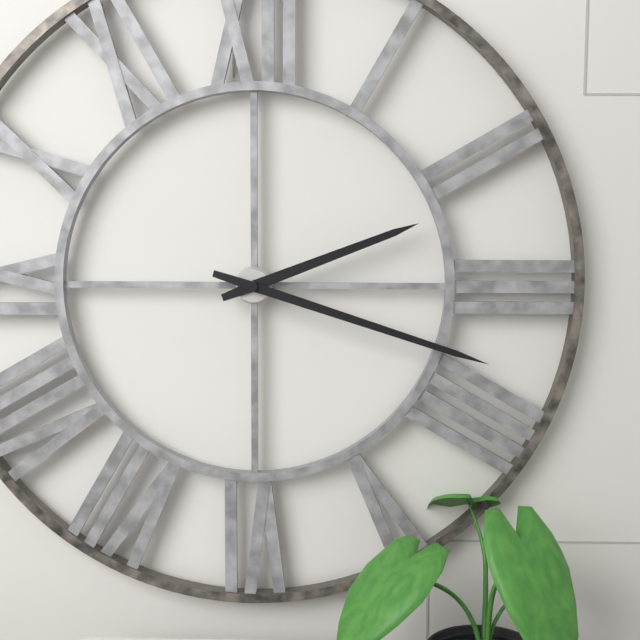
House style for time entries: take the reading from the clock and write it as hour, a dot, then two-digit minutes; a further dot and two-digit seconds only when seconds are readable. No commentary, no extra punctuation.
2.18
